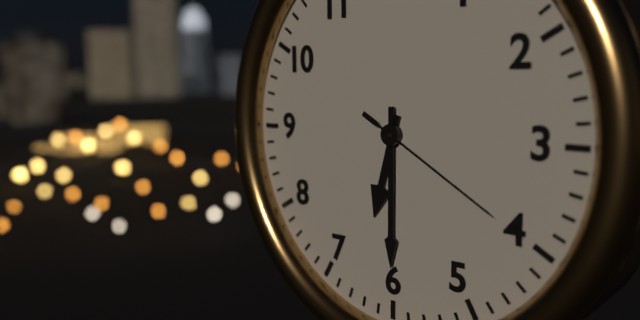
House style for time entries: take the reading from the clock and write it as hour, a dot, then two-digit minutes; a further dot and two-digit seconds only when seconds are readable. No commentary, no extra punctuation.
6.30.20
